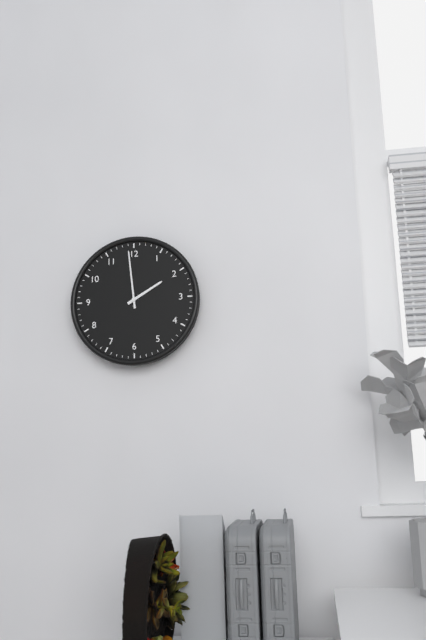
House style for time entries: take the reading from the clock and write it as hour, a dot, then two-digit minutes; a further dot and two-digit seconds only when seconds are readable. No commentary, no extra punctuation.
1.59
